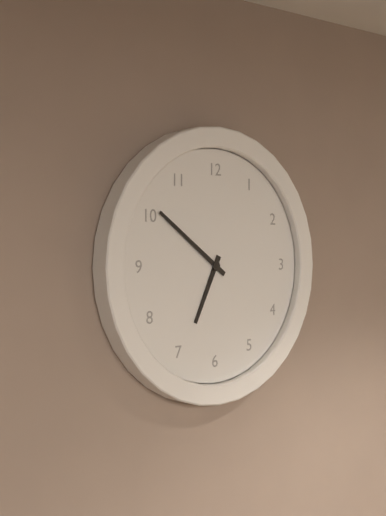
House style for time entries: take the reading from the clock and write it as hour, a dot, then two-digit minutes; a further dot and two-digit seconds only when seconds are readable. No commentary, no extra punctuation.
6.51
